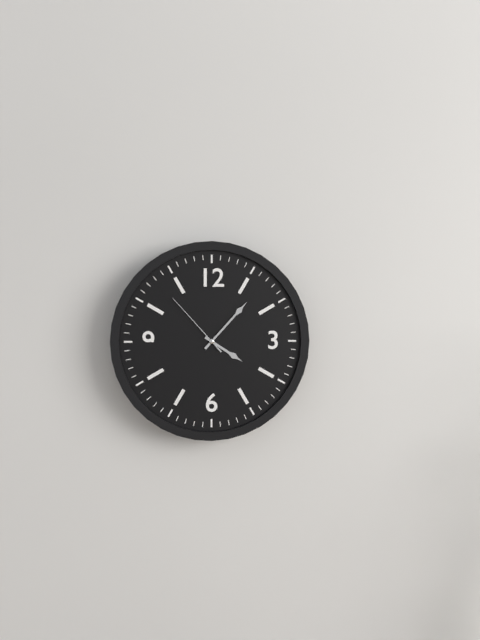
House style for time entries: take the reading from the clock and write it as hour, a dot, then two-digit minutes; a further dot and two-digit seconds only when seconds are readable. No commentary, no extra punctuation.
4.07.53
